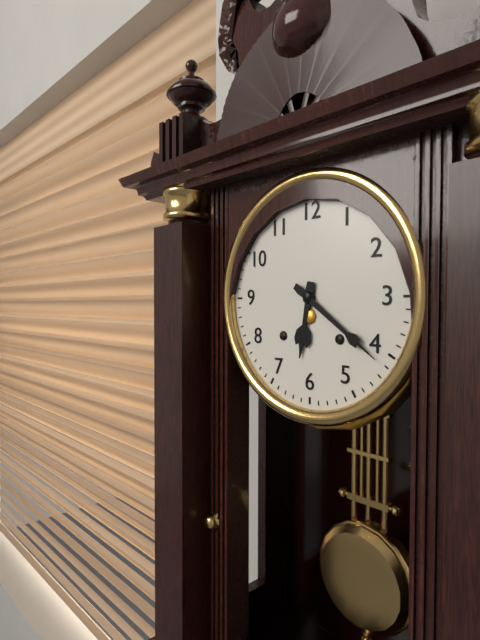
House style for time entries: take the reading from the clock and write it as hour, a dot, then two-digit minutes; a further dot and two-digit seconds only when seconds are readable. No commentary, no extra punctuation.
6.21
